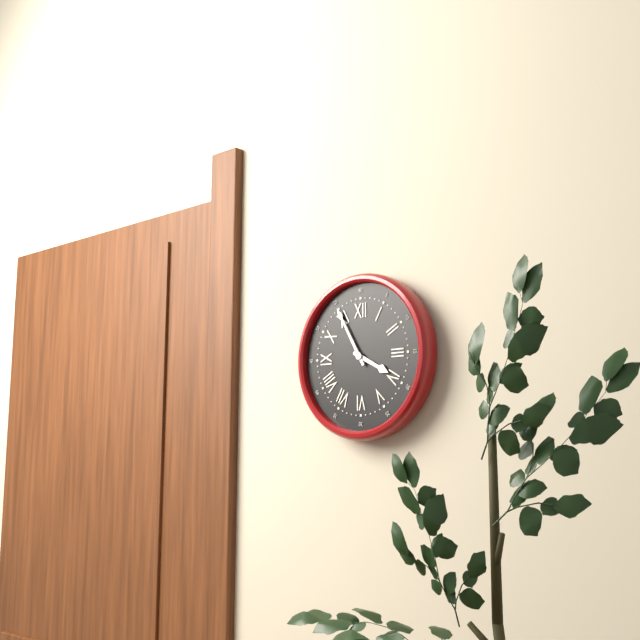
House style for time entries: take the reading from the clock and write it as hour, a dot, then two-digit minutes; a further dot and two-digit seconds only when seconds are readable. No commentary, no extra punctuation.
3.55
